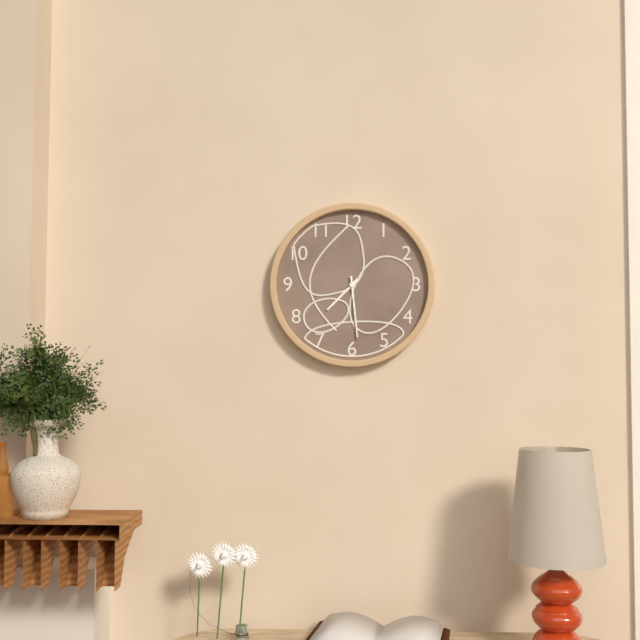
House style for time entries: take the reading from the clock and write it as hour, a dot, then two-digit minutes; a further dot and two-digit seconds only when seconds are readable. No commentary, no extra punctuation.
7.29
